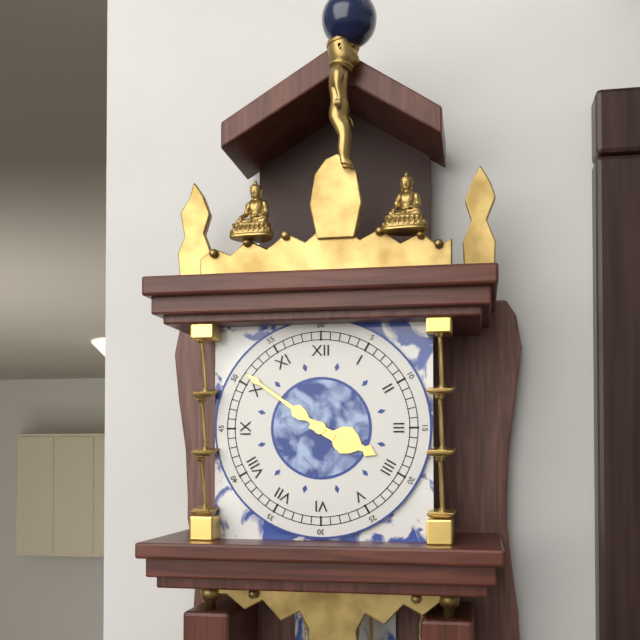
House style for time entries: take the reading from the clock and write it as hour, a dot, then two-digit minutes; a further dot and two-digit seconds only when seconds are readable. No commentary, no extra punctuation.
3.51
